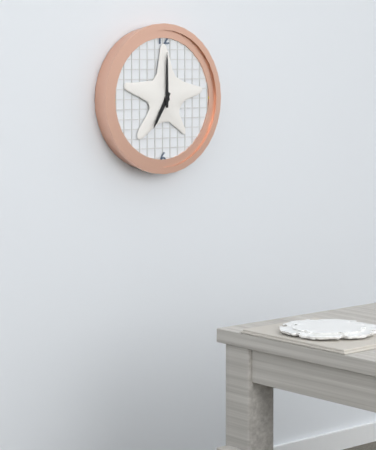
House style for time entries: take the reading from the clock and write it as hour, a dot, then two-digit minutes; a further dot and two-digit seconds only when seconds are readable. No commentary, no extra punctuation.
7.00
